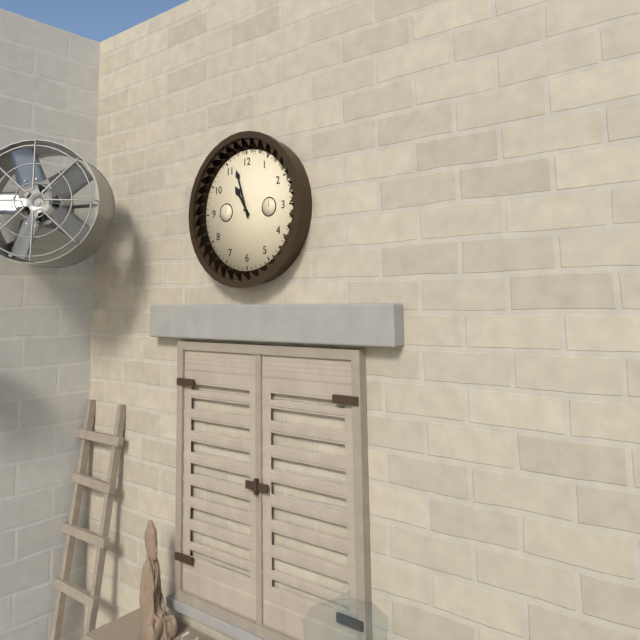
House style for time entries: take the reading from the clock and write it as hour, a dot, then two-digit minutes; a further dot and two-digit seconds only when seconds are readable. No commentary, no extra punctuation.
10.57
